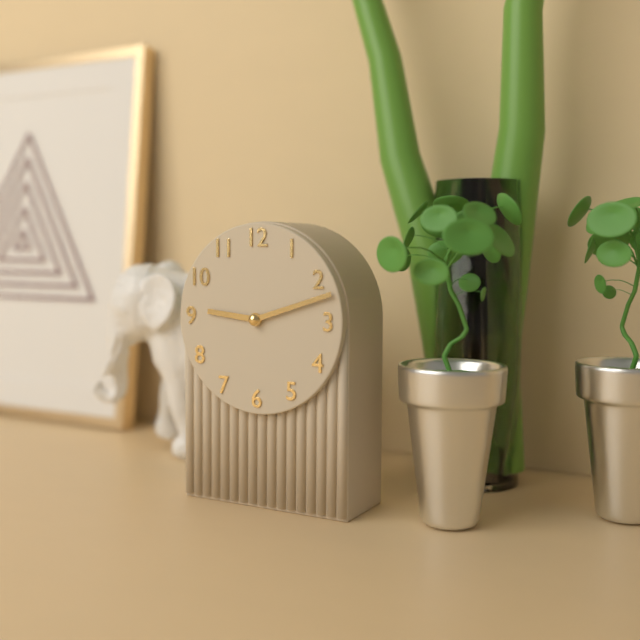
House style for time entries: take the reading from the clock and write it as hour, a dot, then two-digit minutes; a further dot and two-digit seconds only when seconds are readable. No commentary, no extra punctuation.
9.12
